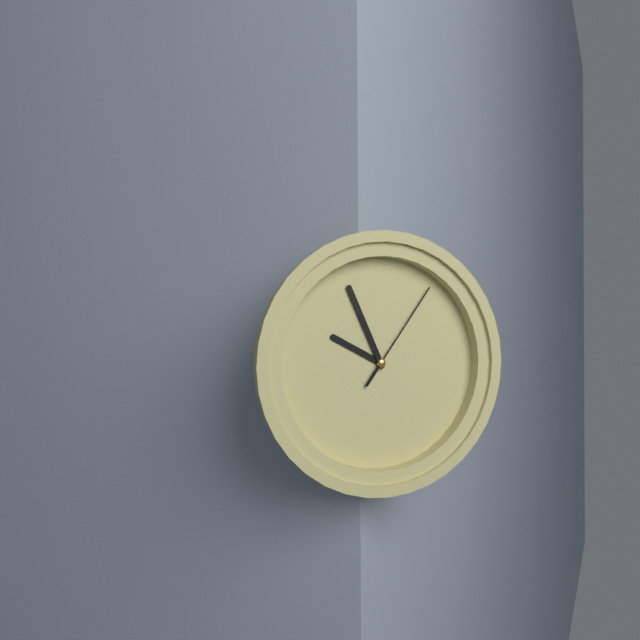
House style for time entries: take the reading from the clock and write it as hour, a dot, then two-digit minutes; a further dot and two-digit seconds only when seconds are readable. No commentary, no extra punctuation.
9.56.06
